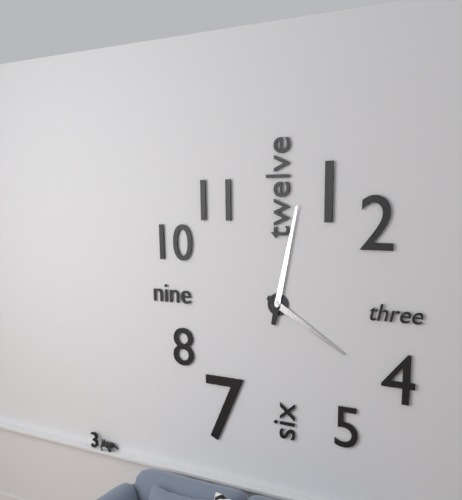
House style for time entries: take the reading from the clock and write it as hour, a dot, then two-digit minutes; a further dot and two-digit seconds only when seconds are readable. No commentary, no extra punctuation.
4.02
